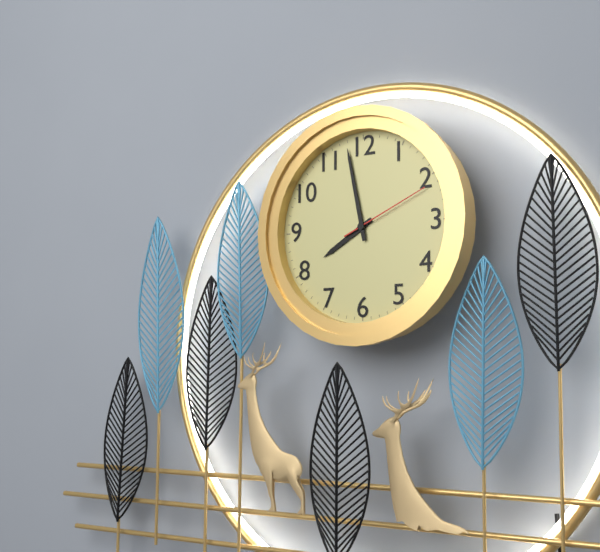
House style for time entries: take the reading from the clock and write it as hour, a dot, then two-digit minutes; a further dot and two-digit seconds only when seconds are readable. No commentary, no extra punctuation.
7.58.11
